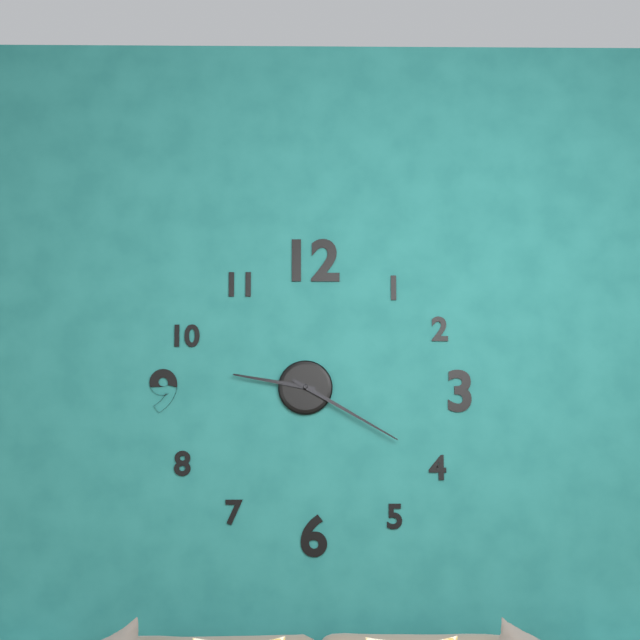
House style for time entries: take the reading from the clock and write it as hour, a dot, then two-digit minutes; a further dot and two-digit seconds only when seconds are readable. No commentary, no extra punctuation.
9.20
